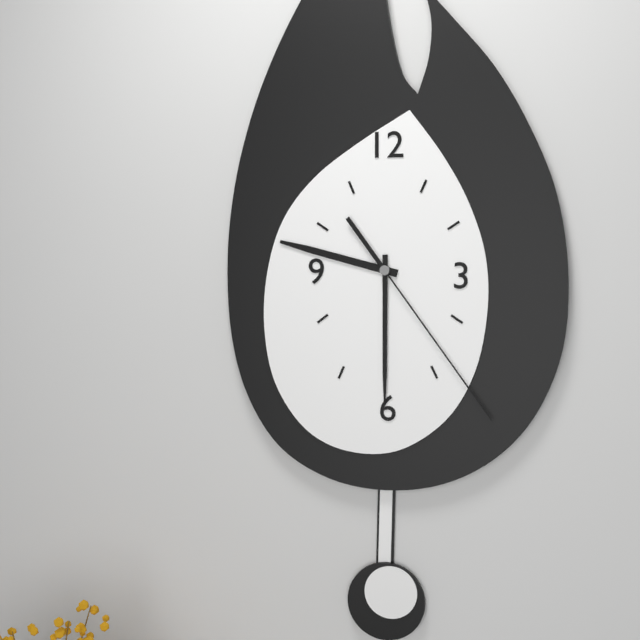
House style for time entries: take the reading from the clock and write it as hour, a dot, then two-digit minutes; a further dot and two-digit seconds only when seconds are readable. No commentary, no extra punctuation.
9.30.24
